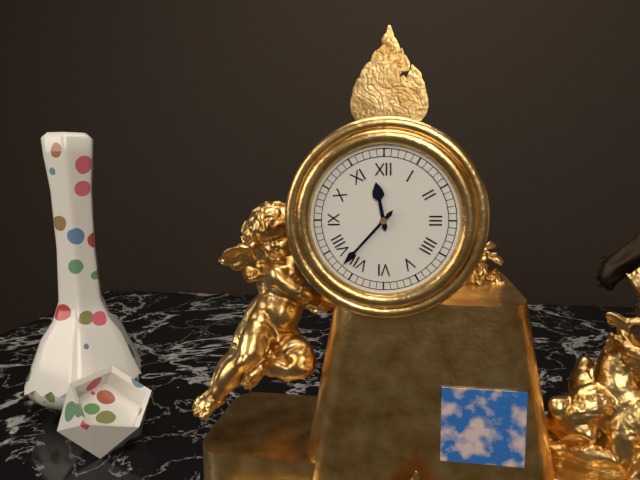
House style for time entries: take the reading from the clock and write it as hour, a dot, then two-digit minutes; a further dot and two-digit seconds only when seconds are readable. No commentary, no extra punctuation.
11.37
